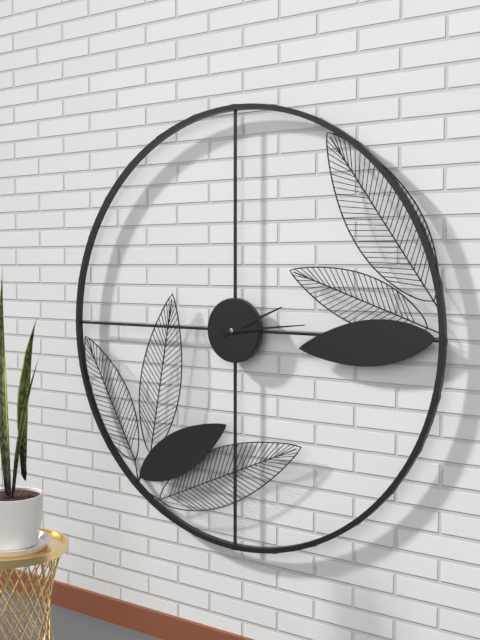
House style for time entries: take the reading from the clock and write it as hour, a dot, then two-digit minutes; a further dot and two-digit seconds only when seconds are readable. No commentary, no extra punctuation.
2.14
